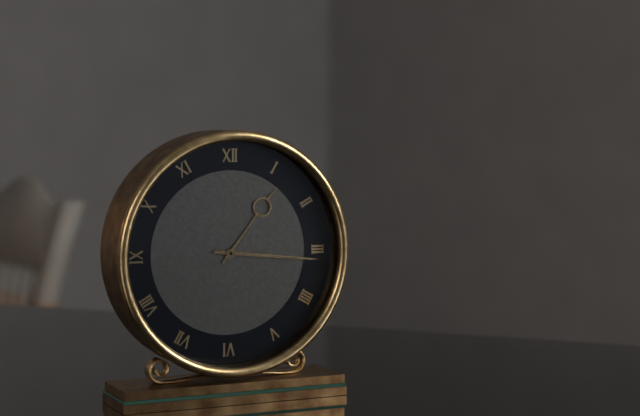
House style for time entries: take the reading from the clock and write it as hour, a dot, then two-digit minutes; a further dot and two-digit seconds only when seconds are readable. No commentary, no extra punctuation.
1.16
